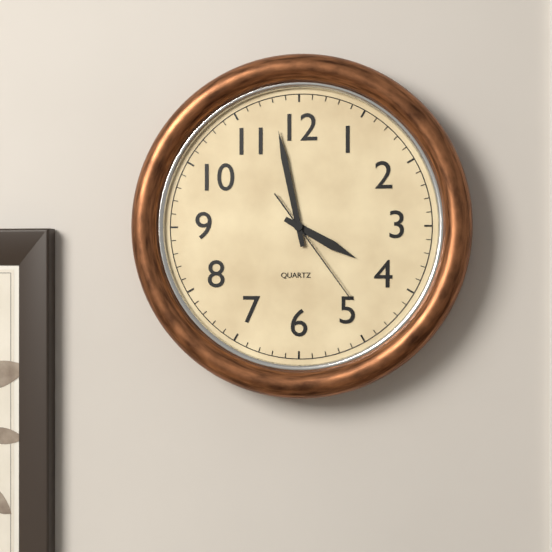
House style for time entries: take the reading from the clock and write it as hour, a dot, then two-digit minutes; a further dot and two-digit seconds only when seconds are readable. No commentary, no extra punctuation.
3.58.24
